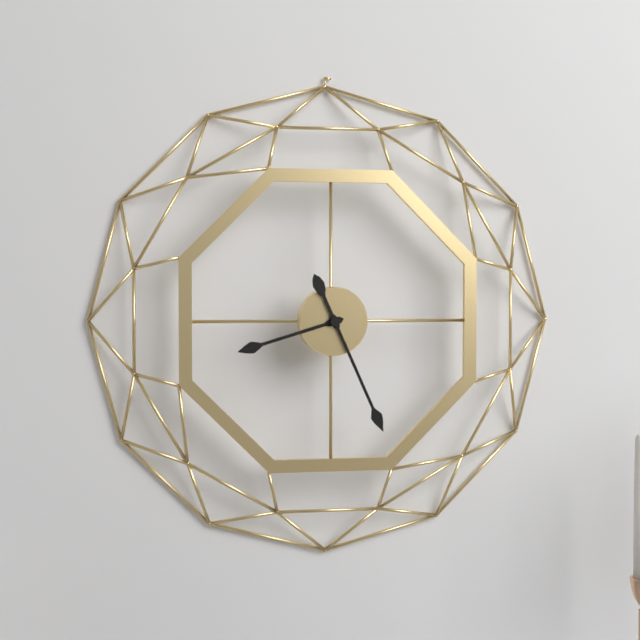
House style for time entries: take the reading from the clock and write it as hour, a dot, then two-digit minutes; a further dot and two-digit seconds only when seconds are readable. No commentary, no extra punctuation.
8.26
